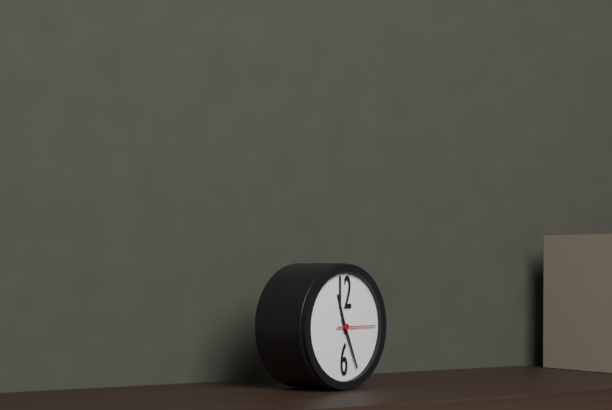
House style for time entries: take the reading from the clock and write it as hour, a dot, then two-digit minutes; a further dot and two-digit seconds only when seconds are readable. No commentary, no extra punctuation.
11.26
